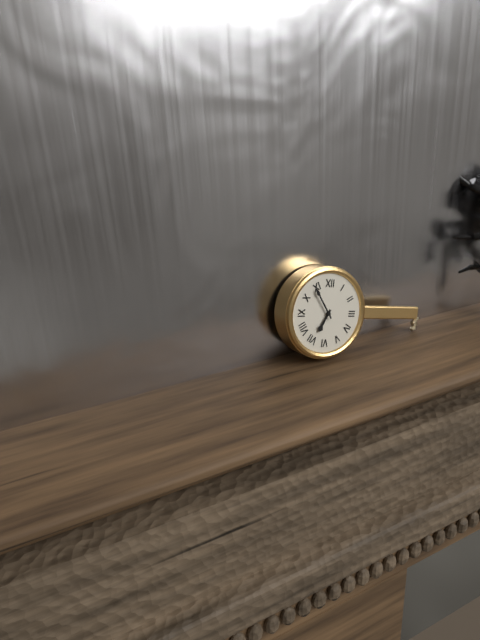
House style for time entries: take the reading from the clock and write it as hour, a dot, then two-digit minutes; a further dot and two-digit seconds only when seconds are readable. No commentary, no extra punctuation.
6.54
